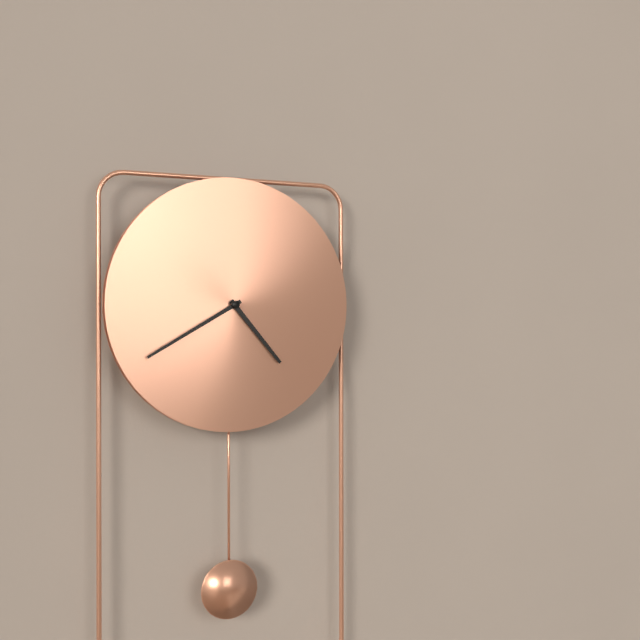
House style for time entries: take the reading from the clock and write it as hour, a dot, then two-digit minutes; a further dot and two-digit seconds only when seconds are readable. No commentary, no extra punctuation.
4.40
